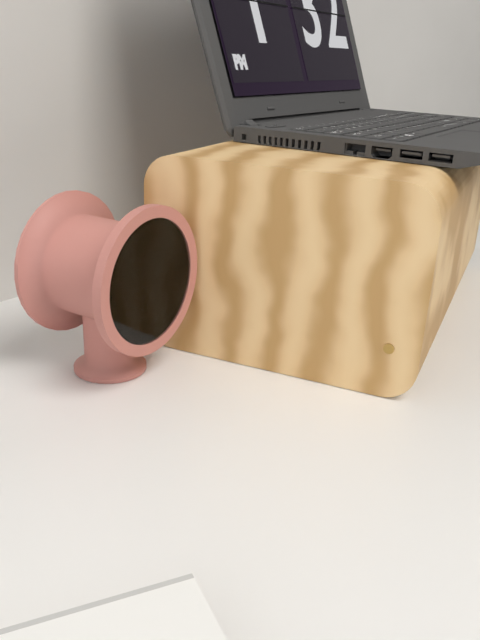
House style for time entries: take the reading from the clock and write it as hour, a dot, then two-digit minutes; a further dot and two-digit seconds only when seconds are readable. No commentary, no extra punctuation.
8.51.12
